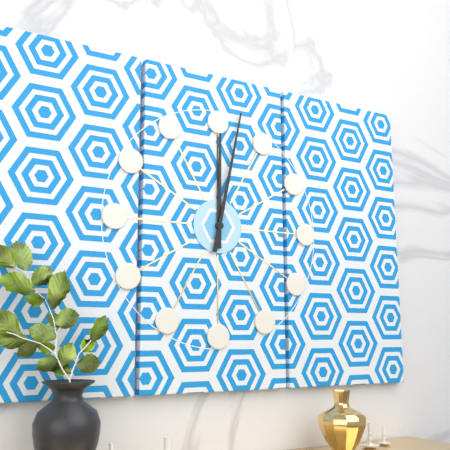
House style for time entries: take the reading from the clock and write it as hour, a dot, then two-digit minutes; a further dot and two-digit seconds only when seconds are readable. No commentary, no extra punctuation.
12.02
